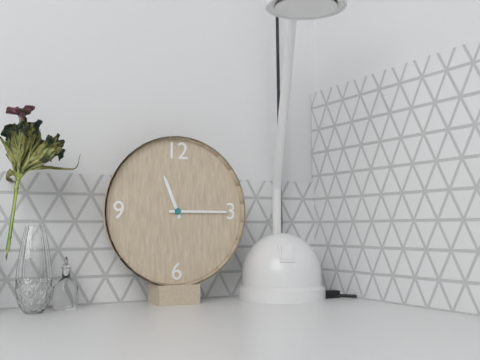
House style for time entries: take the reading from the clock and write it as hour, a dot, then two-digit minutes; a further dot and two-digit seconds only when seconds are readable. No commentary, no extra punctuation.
11.15
